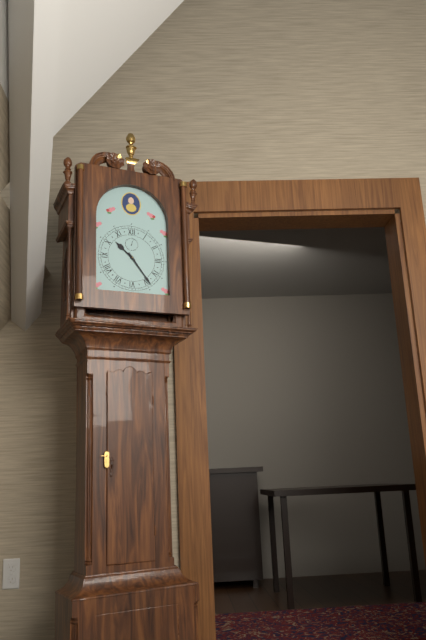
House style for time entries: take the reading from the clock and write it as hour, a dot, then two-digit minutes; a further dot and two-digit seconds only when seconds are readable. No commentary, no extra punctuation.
10.24
